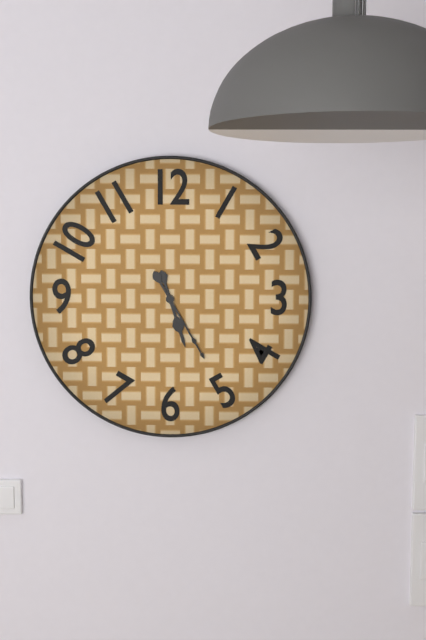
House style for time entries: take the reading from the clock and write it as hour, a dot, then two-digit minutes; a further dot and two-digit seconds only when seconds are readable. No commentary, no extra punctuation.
5.25
